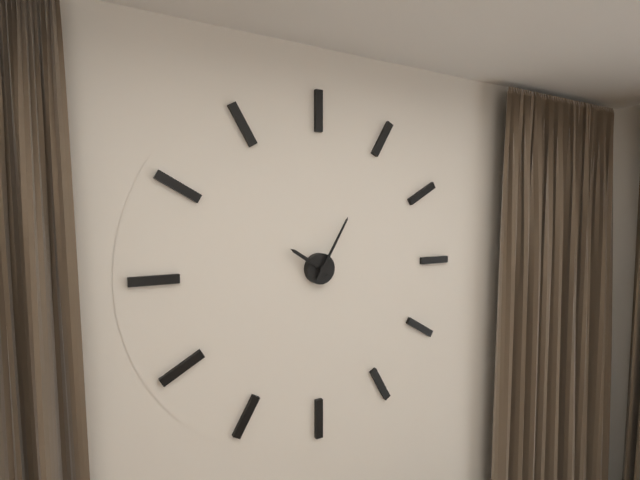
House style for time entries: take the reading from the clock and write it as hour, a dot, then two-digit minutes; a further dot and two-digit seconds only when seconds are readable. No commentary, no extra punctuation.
10.05
